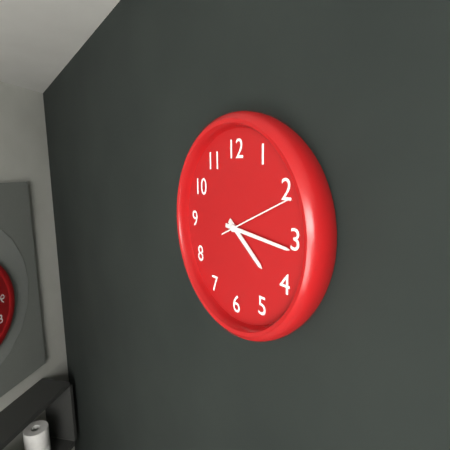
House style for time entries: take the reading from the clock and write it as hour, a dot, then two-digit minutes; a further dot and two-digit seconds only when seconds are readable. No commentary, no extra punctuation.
4.16.11
